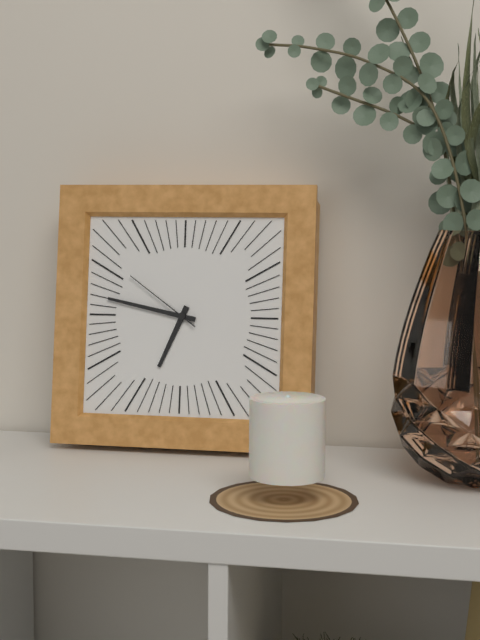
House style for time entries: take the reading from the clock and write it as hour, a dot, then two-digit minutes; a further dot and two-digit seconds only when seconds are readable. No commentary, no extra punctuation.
6.47.51
